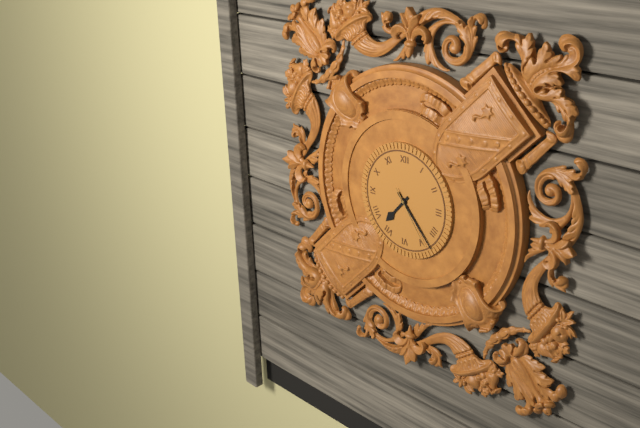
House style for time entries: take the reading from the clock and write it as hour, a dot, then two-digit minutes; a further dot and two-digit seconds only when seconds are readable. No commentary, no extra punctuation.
7.23.24
